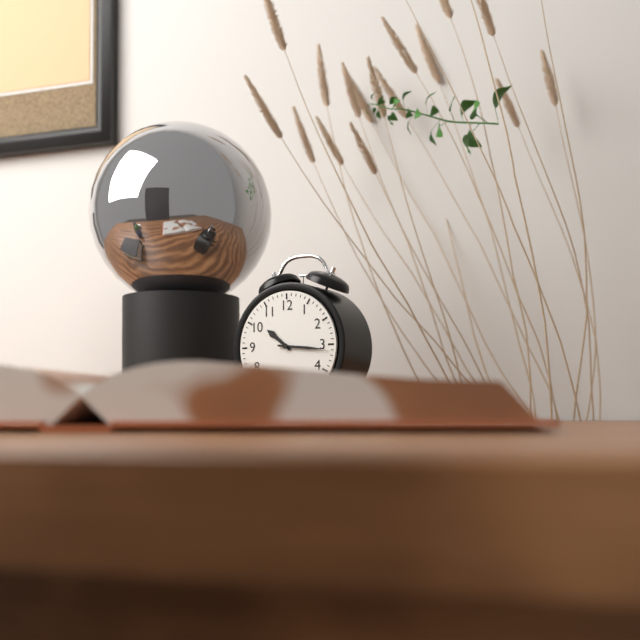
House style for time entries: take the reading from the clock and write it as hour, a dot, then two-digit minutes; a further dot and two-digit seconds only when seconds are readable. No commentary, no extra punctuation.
10.16
